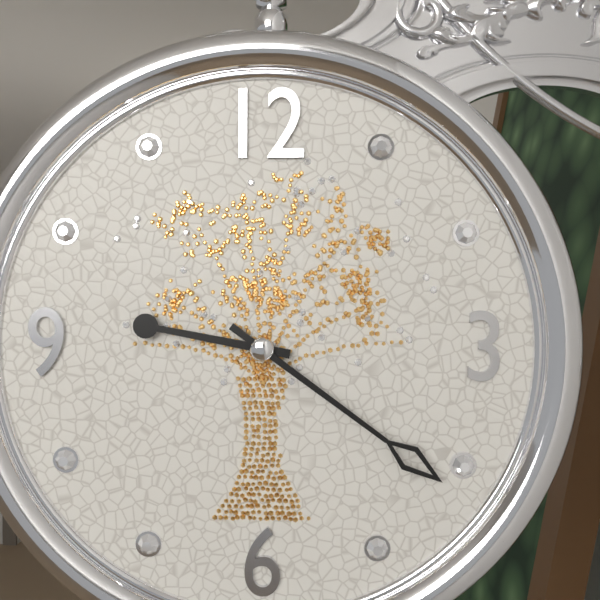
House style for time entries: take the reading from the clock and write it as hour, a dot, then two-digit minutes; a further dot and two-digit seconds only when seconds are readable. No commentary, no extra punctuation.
9.21
